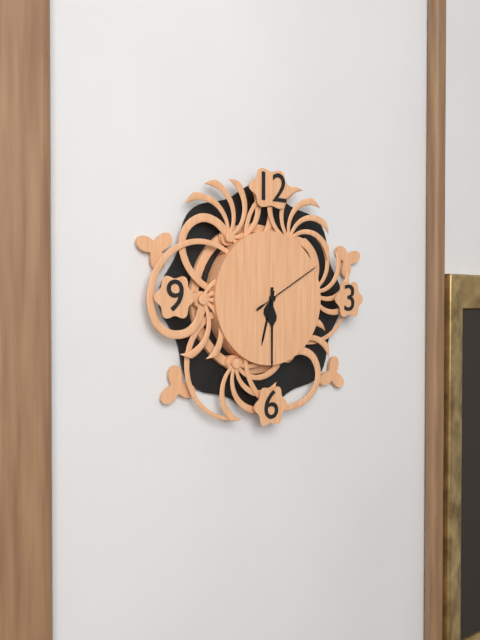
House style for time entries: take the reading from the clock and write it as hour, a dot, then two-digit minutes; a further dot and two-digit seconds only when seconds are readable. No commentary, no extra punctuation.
6.30.10
